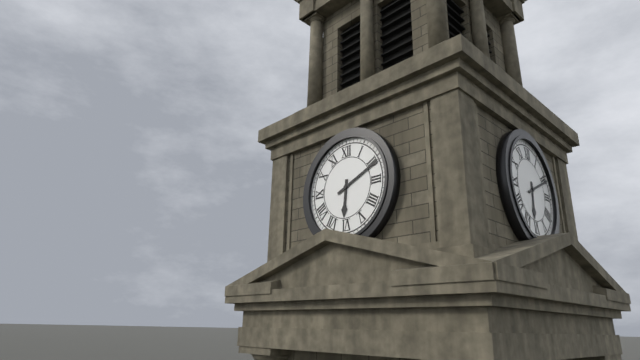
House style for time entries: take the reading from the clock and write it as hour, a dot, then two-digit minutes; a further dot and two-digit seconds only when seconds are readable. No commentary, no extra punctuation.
6.11
